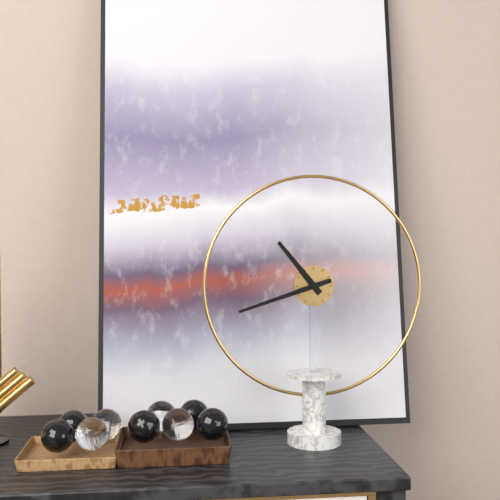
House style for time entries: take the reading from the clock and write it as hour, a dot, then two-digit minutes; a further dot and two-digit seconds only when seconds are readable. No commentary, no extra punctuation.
10.42
